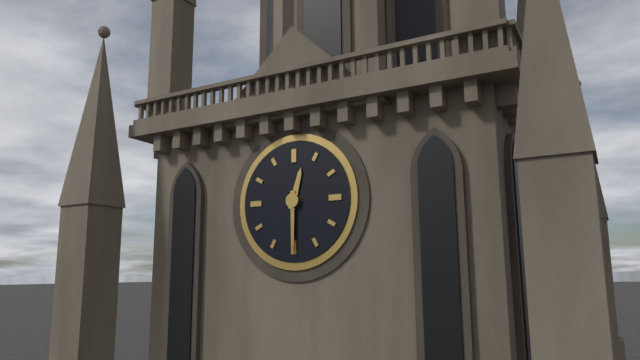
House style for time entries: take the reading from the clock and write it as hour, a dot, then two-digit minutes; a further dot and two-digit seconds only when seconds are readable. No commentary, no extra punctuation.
12.30
